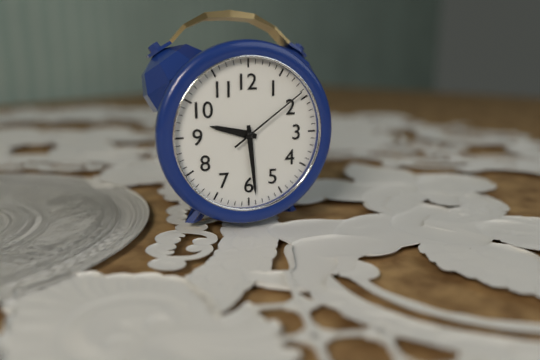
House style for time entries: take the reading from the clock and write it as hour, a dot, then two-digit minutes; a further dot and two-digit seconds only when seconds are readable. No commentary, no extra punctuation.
9.29.09
